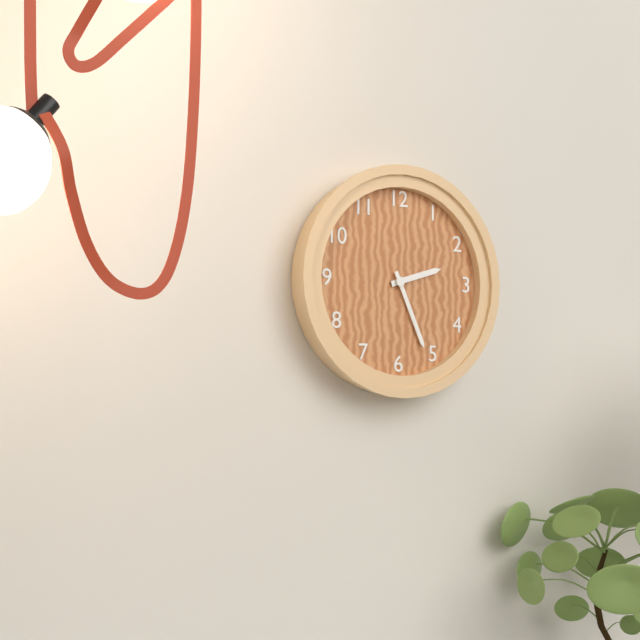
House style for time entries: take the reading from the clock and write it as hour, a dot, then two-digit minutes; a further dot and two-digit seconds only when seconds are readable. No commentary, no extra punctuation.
2.26
